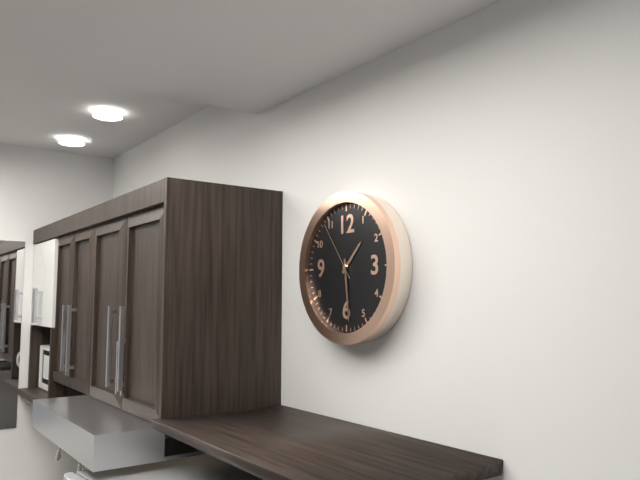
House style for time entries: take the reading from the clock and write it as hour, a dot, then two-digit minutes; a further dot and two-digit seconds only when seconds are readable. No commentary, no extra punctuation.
1.29.54
